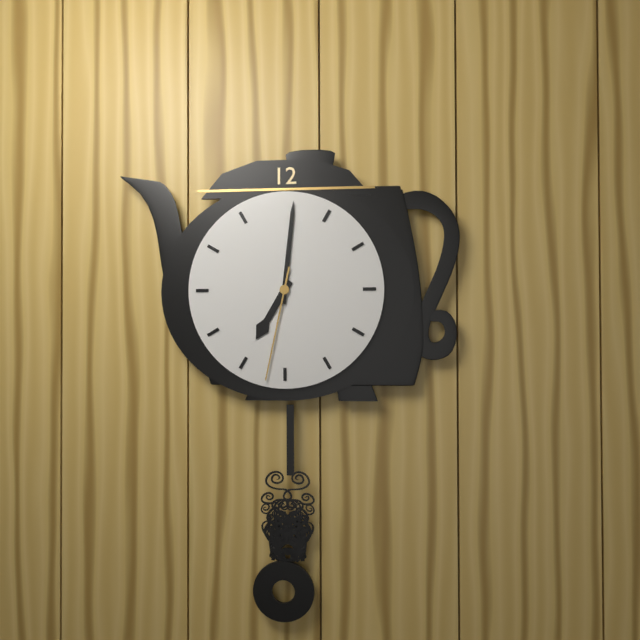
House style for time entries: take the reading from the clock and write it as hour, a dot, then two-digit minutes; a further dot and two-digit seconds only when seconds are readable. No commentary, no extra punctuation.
7.01.32
